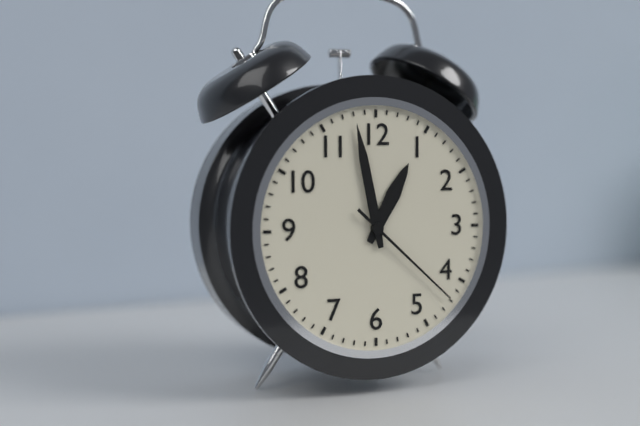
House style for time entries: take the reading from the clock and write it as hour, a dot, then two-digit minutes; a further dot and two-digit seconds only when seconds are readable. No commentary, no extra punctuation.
12.58.22
